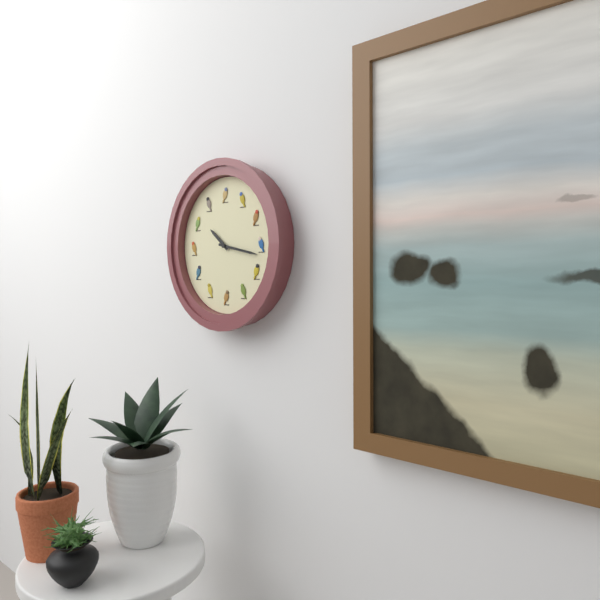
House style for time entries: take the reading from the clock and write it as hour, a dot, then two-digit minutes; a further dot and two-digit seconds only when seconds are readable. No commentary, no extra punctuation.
10.17
